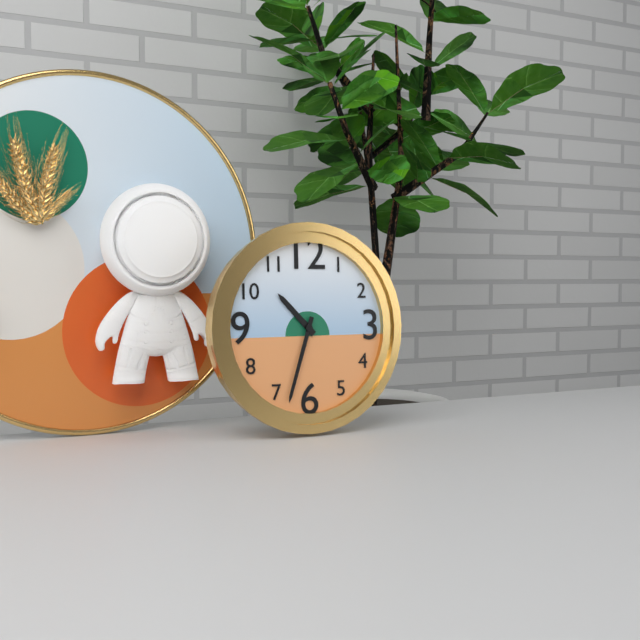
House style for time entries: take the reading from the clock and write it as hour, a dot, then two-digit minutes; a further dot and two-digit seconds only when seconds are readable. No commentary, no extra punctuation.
10.33
